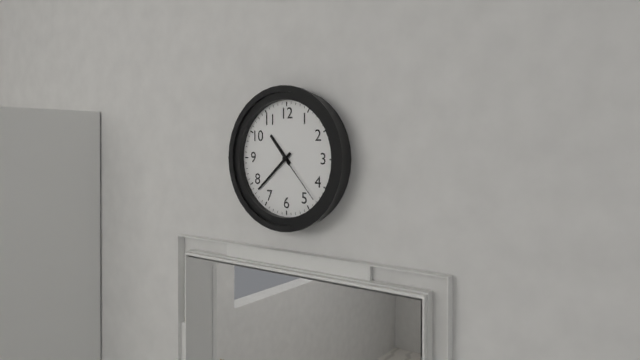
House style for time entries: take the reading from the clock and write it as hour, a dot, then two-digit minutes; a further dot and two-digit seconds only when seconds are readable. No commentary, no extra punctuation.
10.38.23
